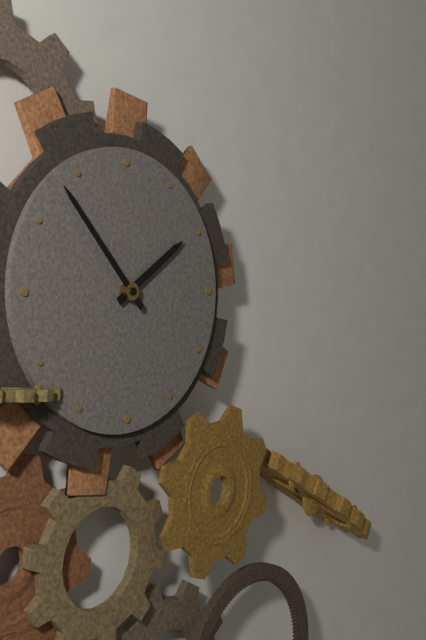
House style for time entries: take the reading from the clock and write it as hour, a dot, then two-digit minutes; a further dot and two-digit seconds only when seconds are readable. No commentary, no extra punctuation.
1.53
